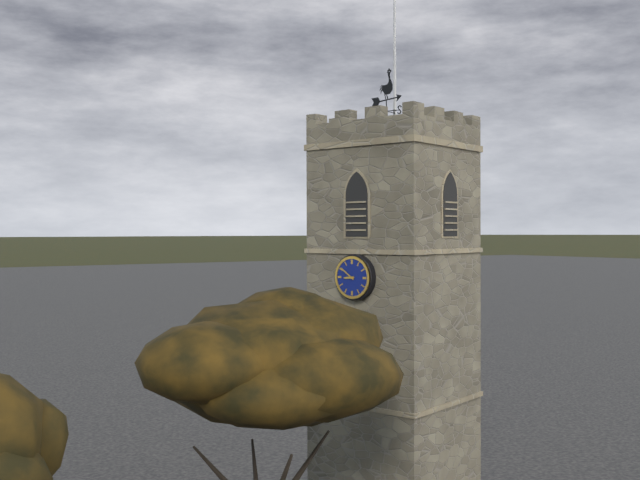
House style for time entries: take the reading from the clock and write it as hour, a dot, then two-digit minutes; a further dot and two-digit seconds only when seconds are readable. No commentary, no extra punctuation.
8.51
